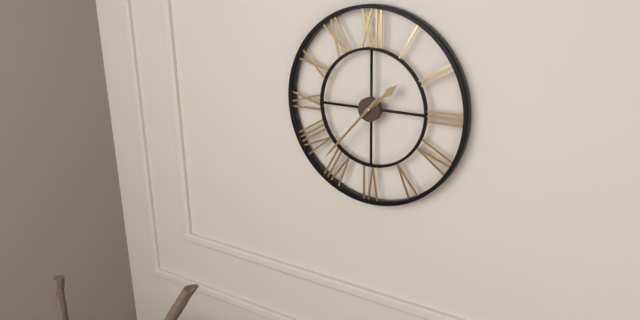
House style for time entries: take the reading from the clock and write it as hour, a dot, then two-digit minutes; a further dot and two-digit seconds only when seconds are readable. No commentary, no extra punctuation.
1.37
